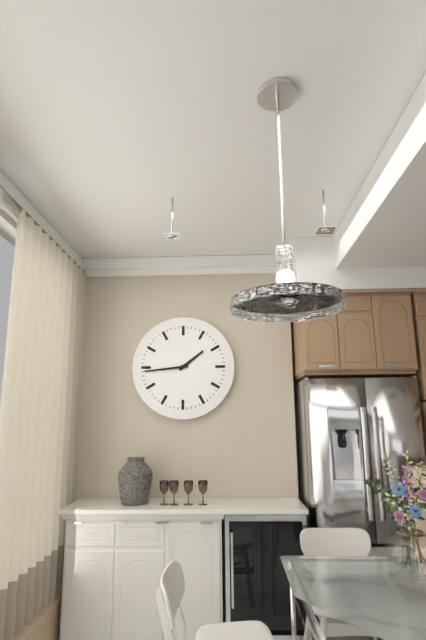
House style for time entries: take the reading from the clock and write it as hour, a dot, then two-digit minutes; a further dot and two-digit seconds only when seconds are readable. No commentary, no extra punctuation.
1.44
